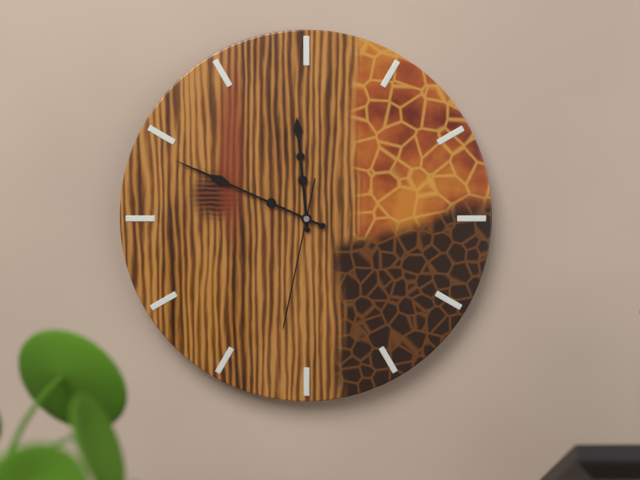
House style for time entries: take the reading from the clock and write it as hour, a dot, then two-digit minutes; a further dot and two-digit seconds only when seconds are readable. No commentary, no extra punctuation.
11.49.32
